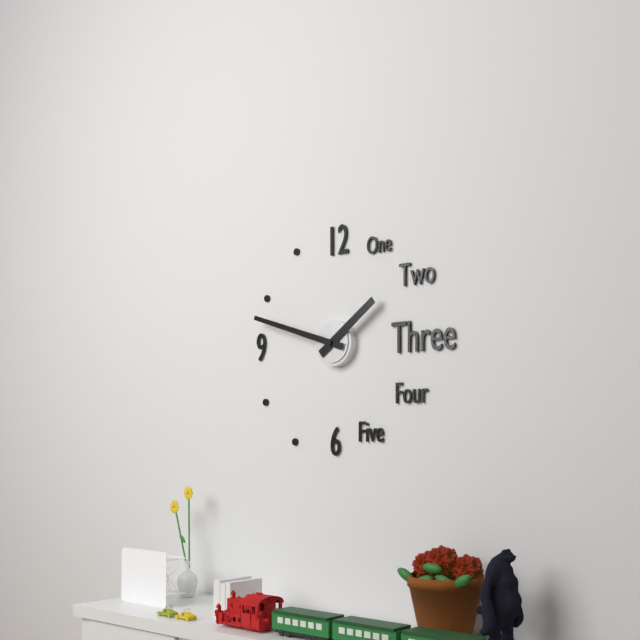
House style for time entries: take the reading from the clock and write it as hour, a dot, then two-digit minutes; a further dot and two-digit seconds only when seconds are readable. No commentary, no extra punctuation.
1.48
